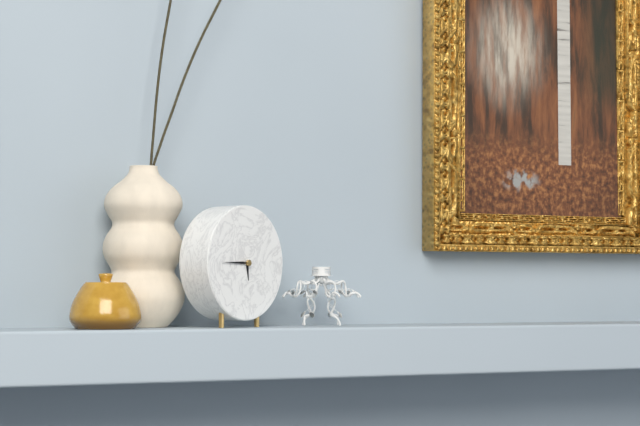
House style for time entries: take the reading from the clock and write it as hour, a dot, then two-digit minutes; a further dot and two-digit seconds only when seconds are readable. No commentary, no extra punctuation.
5.45
